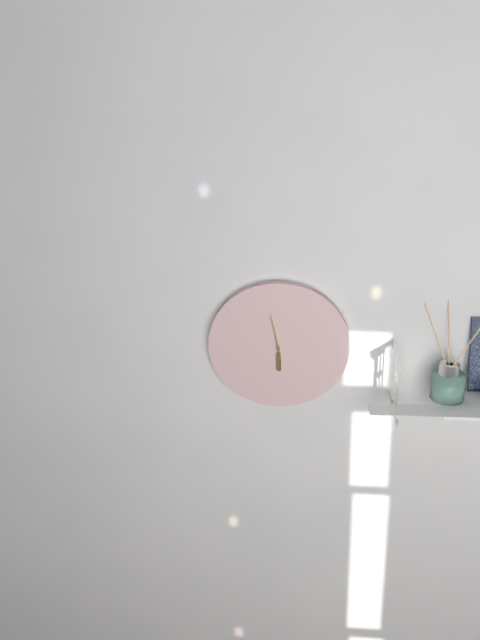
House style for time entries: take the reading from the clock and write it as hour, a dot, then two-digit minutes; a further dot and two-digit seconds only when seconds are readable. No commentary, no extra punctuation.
5.58
